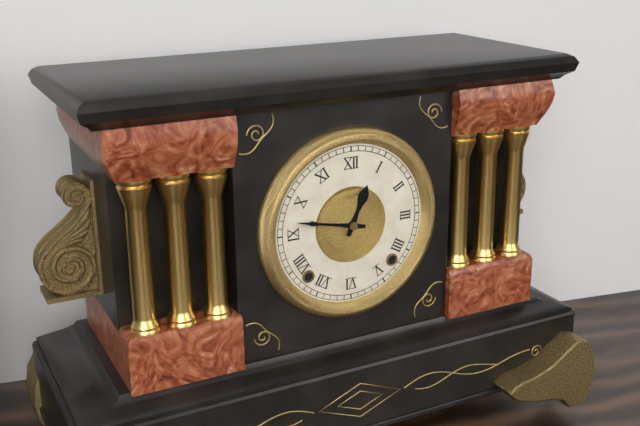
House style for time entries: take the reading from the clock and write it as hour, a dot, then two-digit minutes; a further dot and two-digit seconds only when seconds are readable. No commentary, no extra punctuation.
12.47
